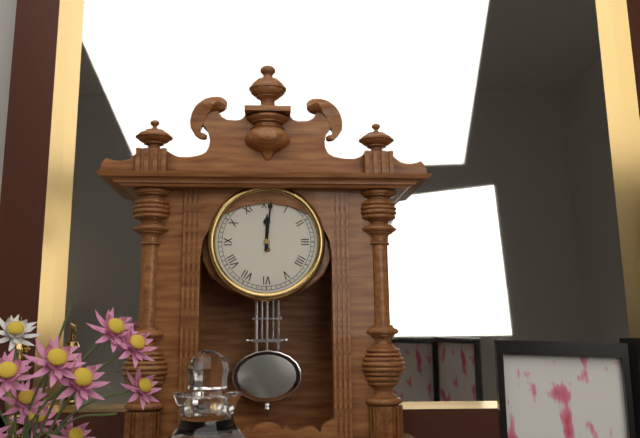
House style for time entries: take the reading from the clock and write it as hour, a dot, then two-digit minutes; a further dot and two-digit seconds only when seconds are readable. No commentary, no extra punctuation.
12.01
